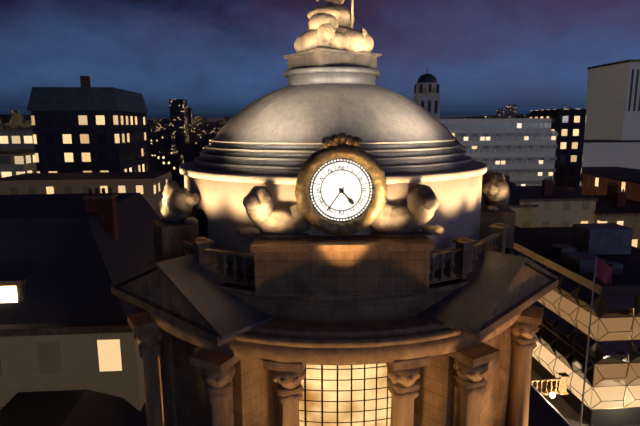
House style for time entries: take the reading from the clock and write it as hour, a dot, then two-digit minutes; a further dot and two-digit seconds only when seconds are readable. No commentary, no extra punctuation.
4.36
